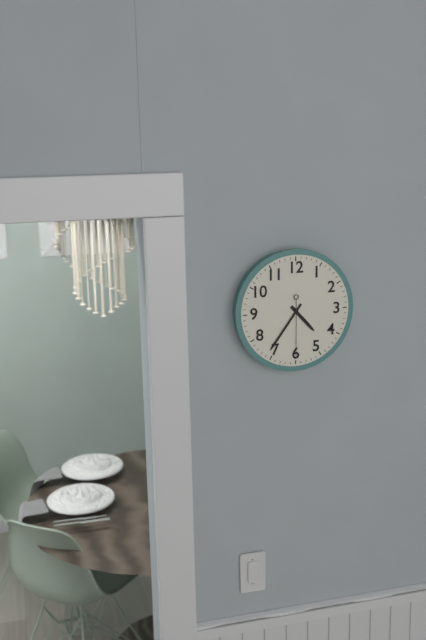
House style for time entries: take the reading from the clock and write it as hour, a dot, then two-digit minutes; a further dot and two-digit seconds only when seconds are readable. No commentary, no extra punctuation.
4.36.30
